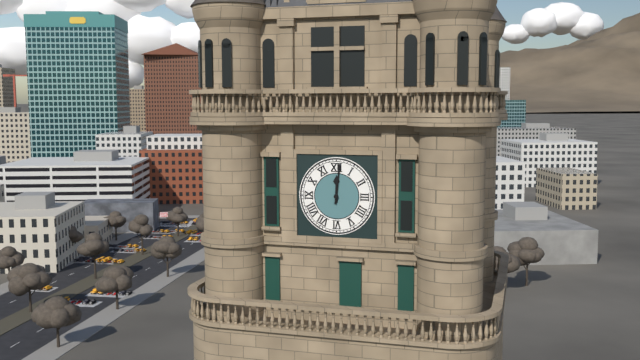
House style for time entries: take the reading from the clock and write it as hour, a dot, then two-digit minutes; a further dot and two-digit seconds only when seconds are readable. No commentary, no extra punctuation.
12.01
